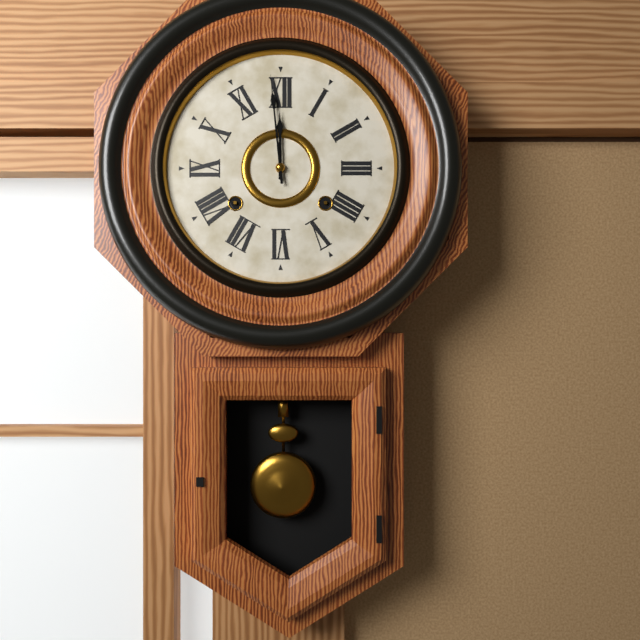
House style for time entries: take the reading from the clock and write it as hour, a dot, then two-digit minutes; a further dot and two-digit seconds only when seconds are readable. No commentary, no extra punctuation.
11.59
